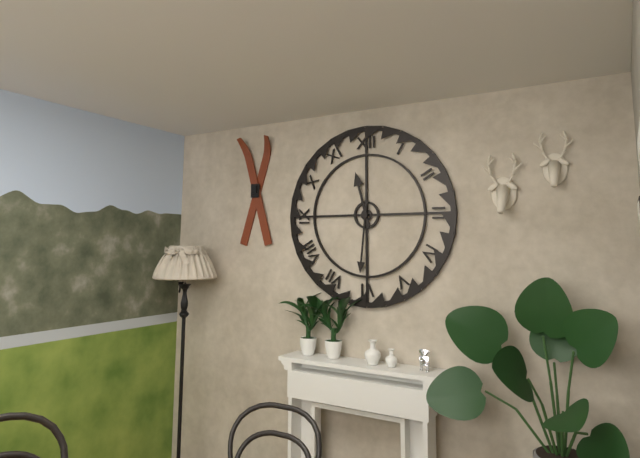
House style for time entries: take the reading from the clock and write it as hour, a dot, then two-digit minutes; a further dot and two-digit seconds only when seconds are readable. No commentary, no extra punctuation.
11.31
